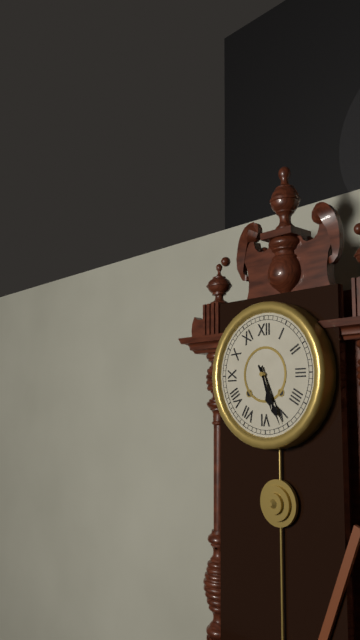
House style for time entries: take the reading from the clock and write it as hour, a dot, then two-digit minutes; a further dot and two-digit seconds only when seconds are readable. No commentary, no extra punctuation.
5.26
